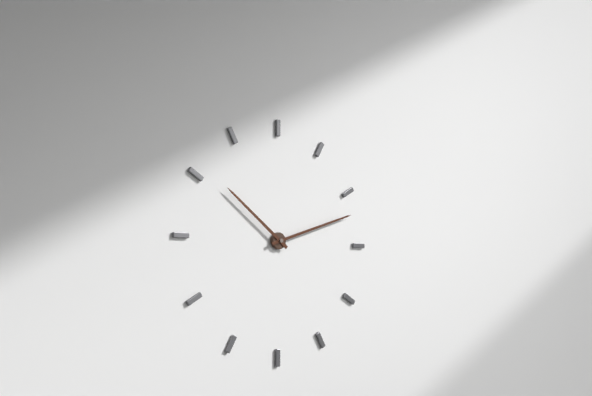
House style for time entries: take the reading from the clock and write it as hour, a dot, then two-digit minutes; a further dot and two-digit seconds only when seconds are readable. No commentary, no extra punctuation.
10.12
